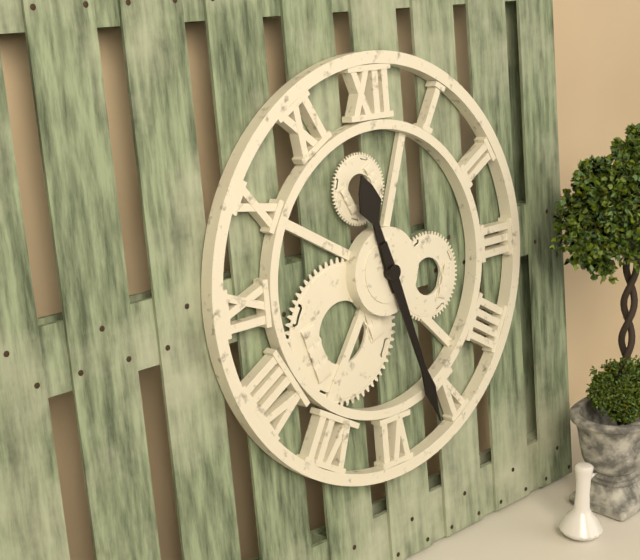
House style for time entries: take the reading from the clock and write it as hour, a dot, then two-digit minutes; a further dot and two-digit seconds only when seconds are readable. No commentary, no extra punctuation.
11.27
